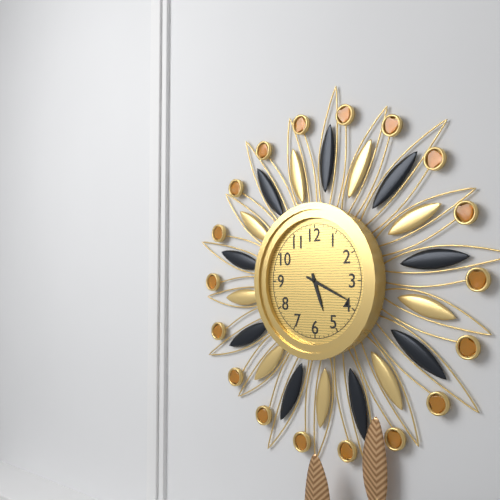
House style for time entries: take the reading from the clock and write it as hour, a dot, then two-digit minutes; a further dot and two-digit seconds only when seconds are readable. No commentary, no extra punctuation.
5.19
